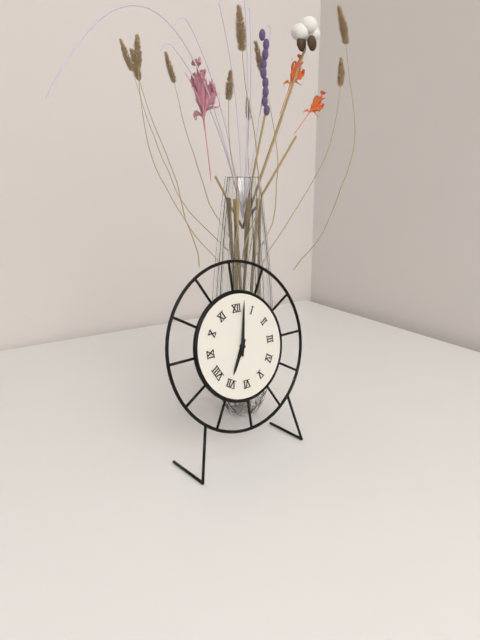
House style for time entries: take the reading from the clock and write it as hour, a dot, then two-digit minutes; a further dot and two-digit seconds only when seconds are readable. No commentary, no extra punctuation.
7.02
